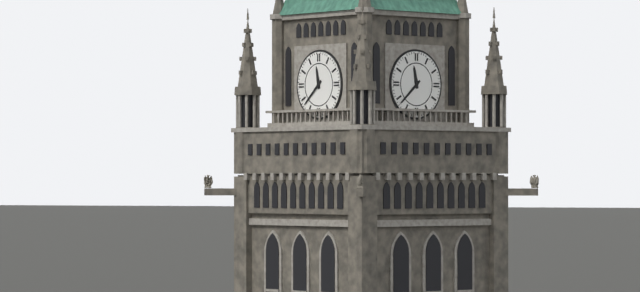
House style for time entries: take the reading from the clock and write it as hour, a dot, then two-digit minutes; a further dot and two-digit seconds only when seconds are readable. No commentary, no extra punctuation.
11.38
